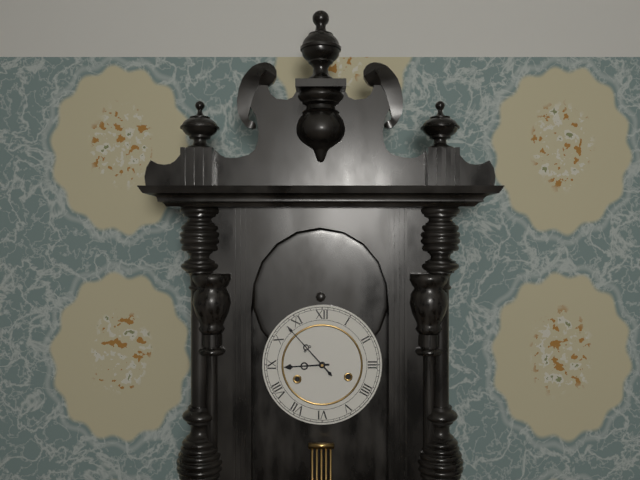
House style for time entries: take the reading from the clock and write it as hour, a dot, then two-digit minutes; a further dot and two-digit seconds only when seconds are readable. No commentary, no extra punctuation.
8.53
